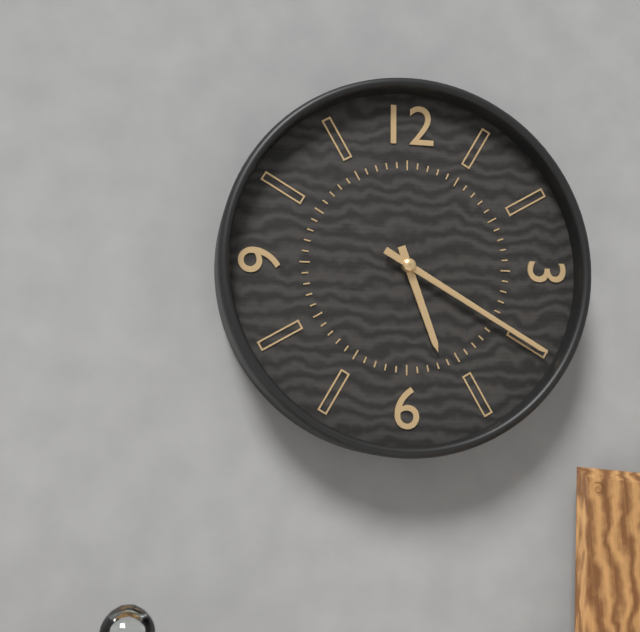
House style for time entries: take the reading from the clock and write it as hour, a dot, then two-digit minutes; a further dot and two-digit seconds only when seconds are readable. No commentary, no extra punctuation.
5.20
